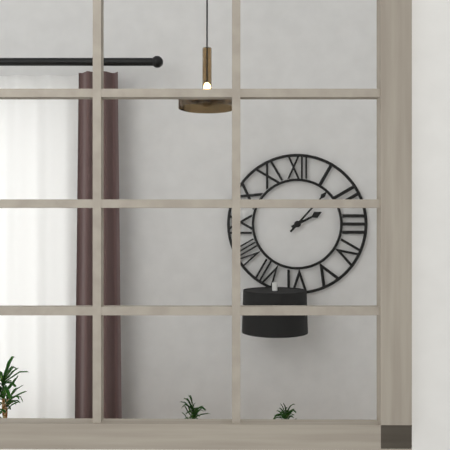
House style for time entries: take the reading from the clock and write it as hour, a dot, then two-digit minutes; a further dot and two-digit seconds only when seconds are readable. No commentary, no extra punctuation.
2.07
